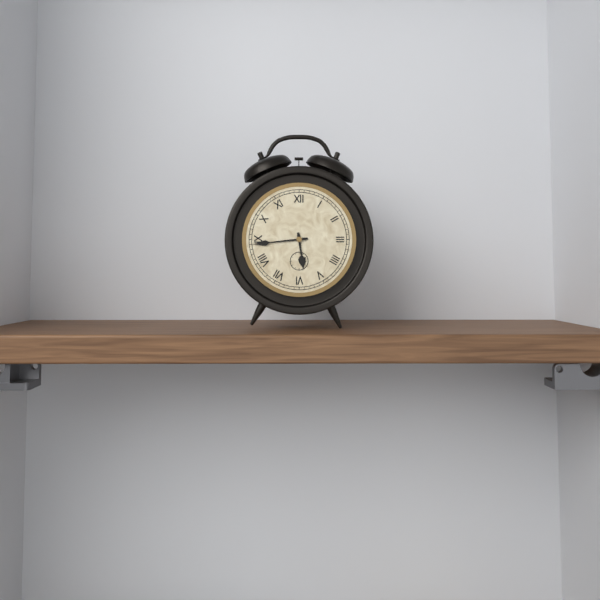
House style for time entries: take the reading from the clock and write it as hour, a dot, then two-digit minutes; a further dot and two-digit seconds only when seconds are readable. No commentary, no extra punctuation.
5.44
